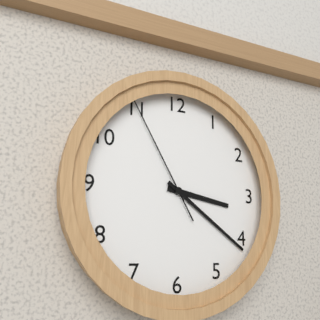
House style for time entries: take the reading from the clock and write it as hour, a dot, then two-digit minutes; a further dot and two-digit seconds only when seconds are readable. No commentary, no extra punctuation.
3.21.55
